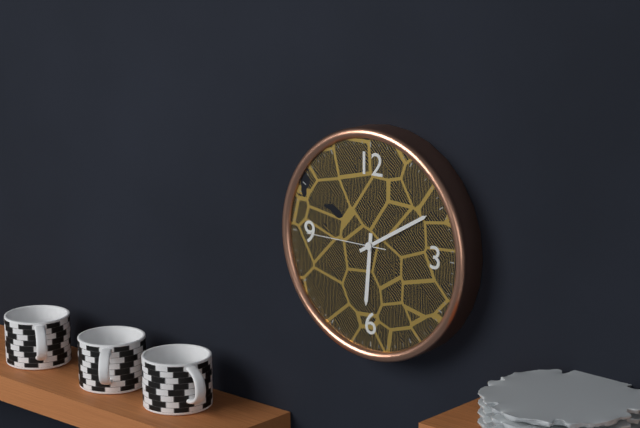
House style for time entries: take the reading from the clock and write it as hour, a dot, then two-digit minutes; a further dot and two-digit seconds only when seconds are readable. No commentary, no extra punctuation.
6.10.45
